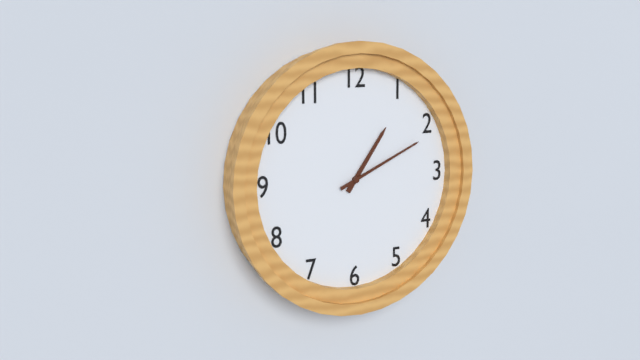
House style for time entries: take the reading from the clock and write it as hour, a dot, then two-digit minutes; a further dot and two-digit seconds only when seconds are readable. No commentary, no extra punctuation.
1.11
